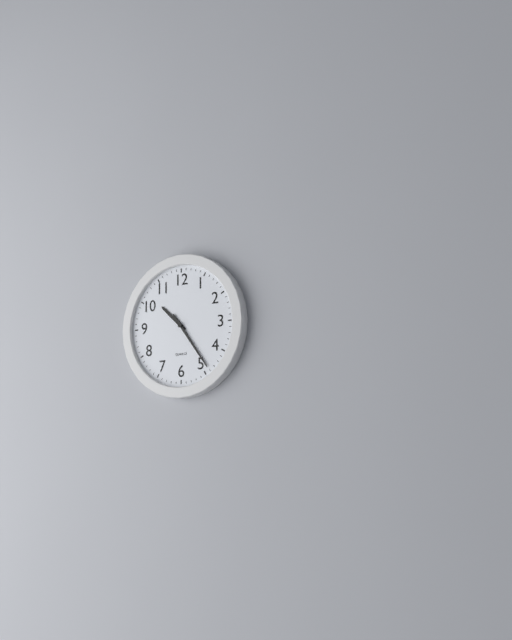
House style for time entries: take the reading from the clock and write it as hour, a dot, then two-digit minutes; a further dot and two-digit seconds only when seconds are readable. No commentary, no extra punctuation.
10.24
